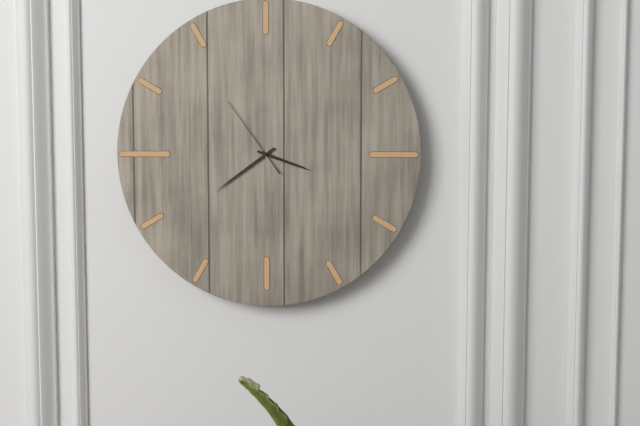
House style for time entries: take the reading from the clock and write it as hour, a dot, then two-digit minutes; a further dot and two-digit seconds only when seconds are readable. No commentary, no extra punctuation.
3.39.54
